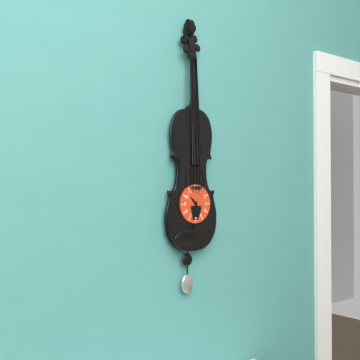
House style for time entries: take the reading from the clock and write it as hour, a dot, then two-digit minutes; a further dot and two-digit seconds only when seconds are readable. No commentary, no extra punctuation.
10.33
